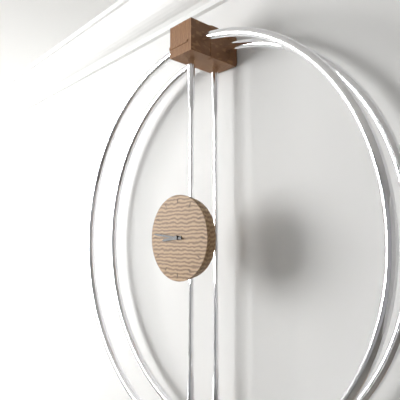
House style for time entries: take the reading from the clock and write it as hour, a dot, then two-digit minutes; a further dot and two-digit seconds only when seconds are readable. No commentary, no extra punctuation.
8.46
